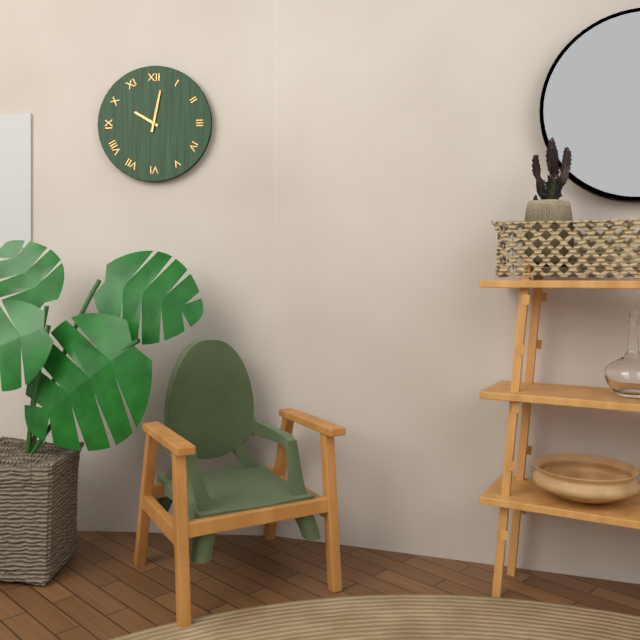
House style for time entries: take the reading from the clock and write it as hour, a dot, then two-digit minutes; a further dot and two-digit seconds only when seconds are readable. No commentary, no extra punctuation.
10.02
